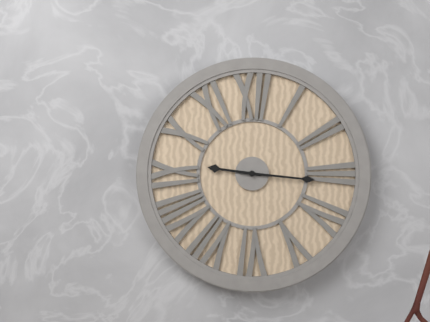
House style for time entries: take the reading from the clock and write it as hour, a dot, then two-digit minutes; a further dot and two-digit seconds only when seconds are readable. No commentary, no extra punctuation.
9.16
